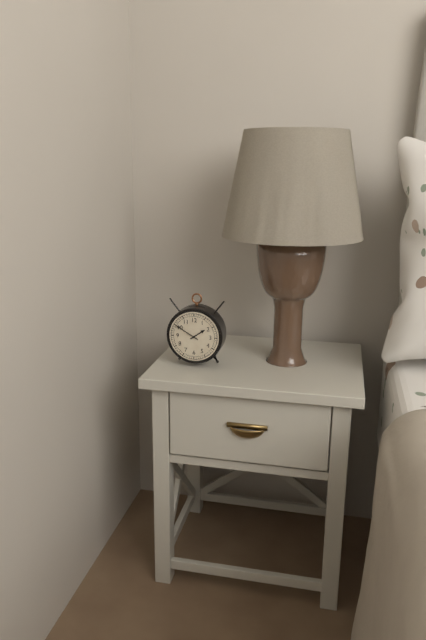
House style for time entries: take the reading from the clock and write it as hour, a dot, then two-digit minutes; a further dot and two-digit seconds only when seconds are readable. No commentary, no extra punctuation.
1.50
